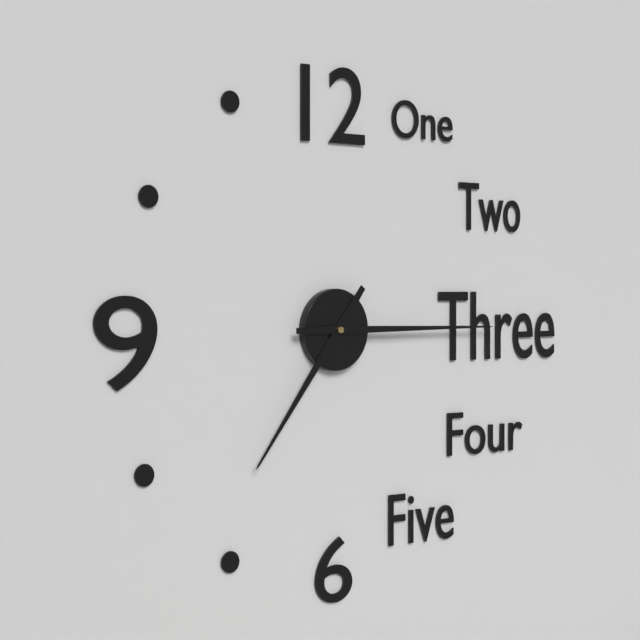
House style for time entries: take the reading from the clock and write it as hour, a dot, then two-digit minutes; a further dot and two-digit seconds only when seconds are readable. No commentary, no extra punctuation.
7.15
